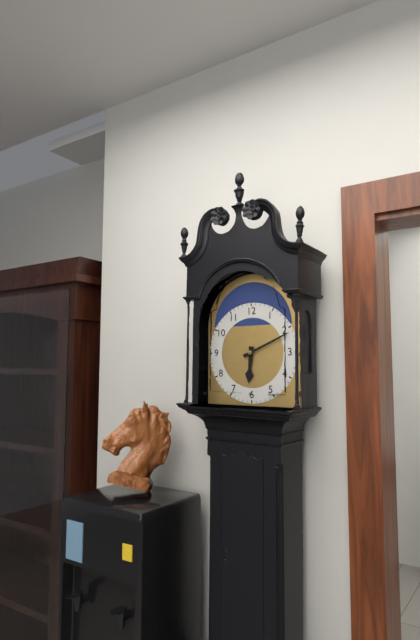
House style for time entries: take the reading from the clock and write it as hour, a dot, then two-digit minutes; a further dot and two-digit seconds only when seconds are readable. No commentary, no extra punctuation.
6.11
